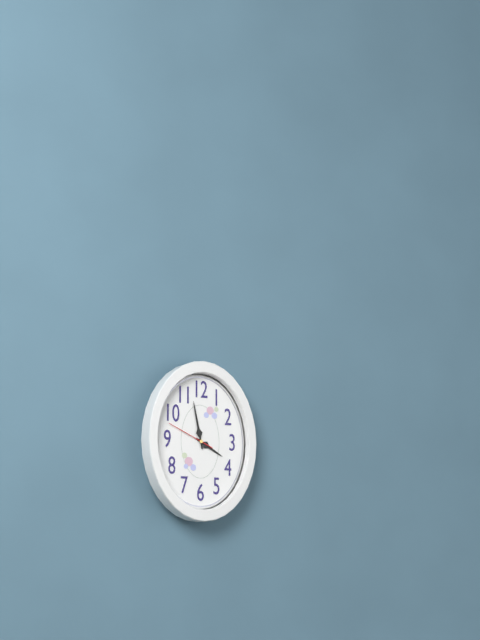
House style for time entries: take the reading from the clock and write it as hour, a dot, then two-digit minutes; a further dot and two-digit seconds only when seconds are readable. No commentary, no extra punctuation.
3.58
